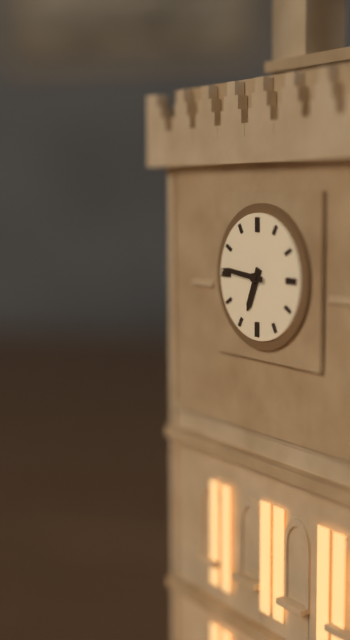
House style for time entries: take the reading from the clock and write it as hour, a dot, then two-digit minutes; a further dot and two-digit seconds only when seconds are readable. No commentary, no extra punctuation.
6.46
